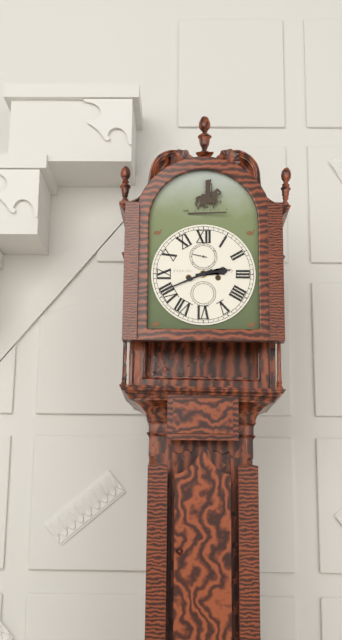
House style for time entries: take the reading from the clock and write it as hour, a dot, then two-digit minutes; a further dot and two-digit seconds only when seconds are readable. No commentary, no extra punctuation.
2.41
